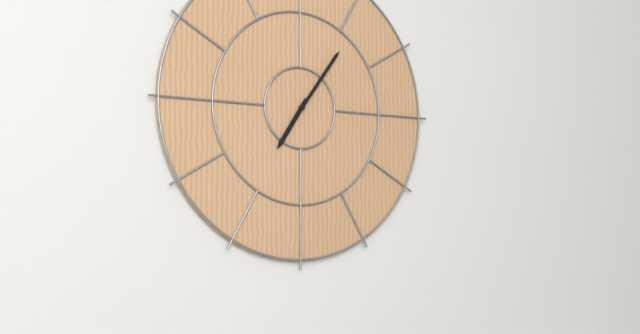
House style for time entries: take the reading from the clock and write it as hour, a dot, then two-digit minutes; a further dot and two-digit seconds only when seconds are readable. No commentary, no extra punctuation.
7.06
